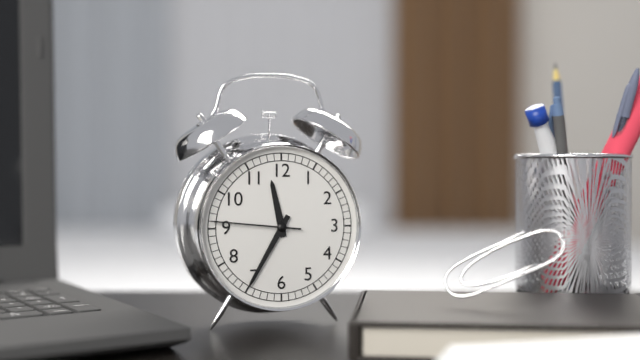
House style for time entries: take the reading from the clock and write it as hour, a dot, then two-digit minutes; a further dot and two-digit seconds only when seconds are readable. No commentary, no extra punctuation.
11.35.46
